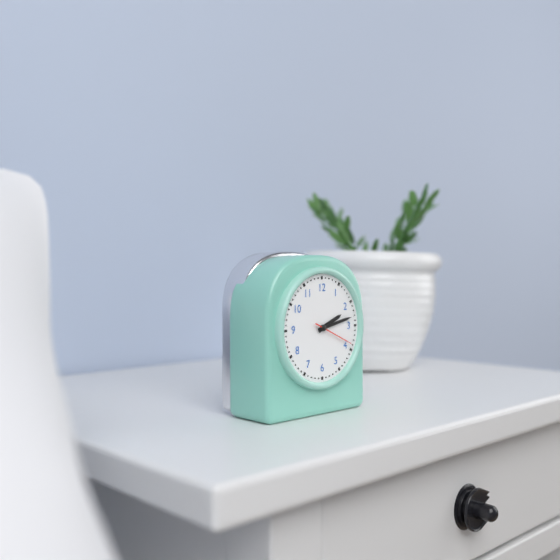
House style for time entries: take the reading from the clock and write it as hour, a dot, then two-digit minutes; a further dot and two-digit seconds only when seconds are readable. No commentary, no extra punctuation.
2.13
